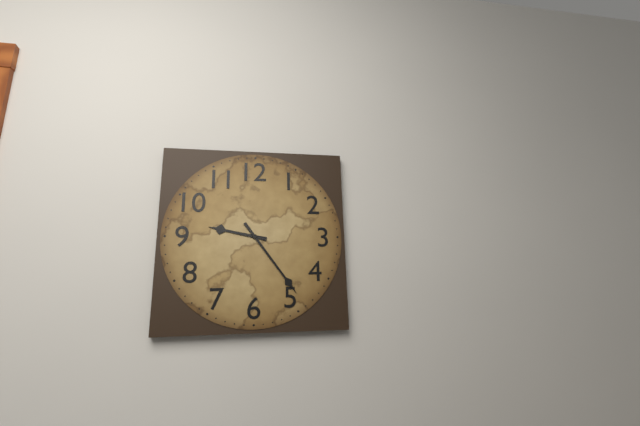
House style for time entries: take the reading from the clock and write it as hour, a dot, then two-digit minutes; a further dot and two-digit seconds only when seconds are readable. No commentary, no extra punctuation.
9.24
